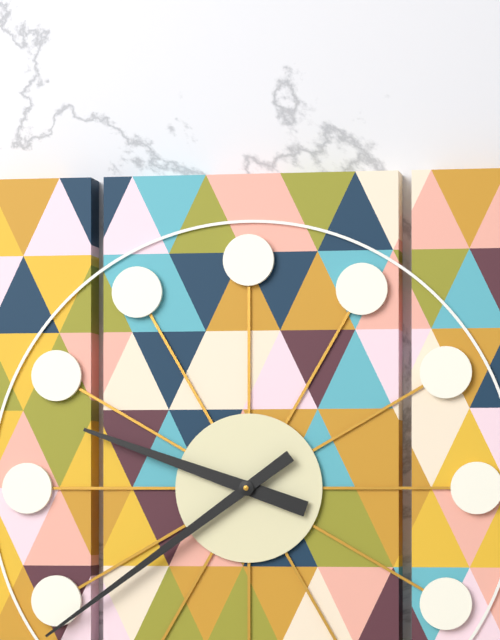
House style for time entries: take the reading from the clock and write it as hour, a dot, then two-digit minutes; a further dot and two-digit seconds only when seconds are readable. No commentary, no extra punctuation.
9.39
